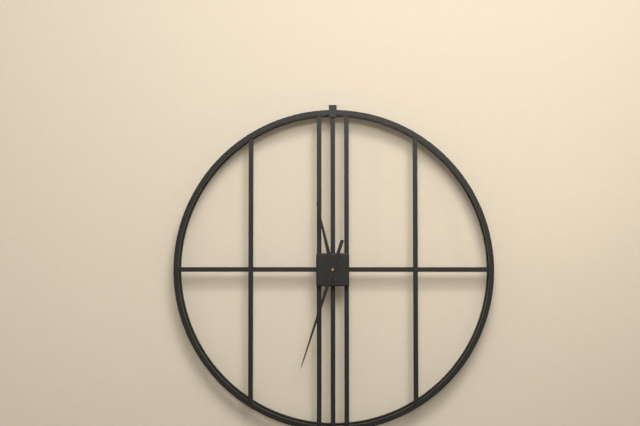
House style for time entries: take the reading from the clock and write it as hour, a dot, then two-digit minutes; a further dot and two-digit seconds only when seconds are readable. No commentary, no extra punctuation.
11.33
